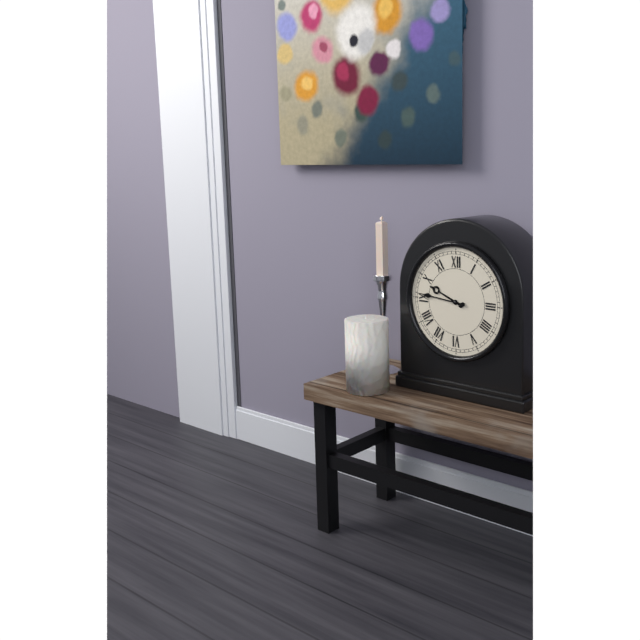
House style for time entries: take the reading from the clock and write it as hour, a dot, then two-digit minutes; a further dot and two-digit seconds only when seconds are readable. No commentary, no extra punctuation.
9.46
